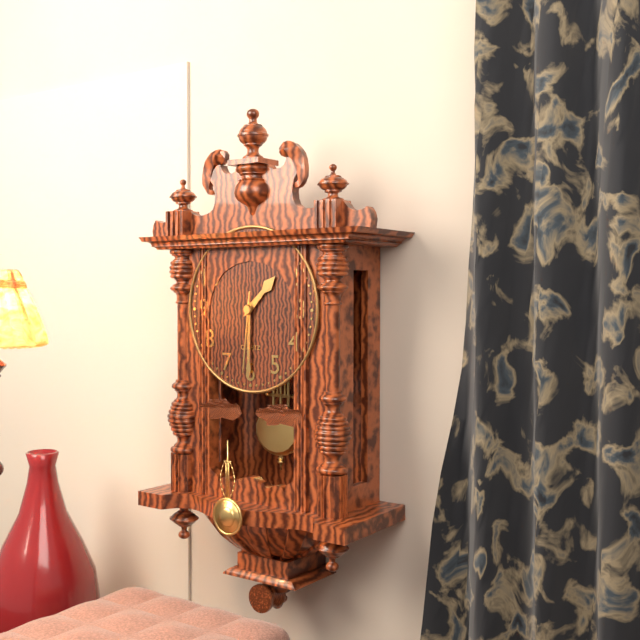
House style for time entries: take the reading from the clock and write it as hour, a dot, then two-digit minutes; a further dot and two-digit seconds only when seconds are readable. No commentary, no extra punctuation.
1.30.31
